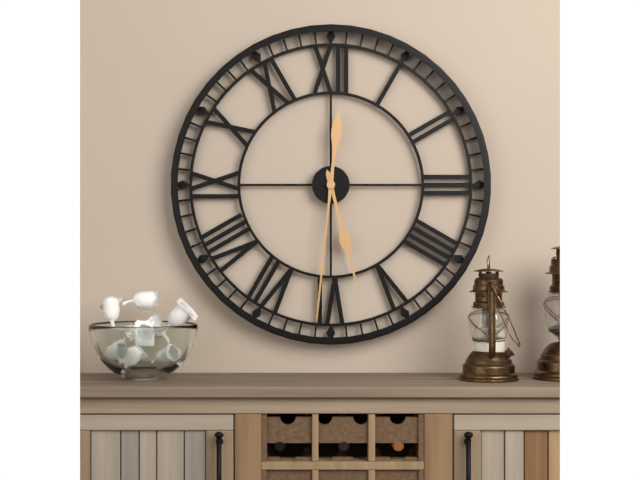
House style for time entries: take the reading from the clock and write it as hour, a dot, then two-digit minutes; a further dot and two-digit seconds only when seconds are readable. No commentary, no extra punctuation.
5.31
